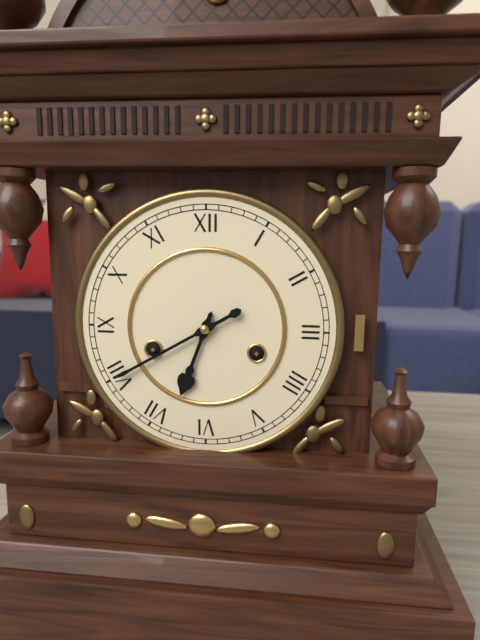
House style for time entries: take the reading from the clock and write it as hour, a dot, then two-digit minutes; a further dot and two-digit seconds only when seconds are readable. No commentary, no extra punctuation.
6.40
